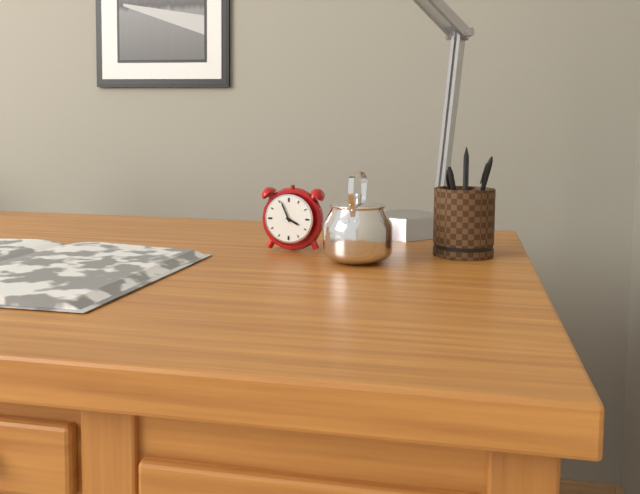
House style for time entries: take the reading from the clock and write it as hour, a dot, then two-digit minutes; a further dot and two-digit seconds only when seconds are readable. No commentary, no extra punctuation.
3.56
